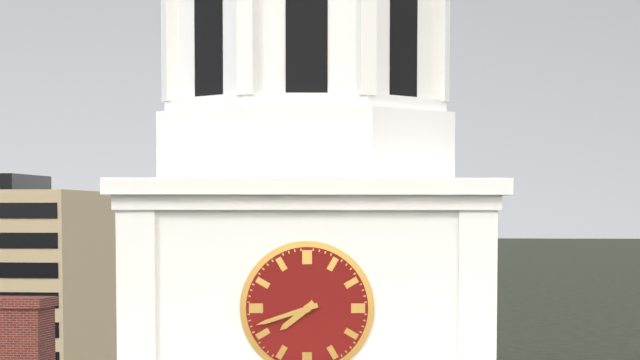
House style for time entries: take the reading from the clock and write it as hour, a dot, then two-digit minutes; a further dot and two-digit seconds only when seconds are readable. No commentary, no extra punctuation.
7.42
